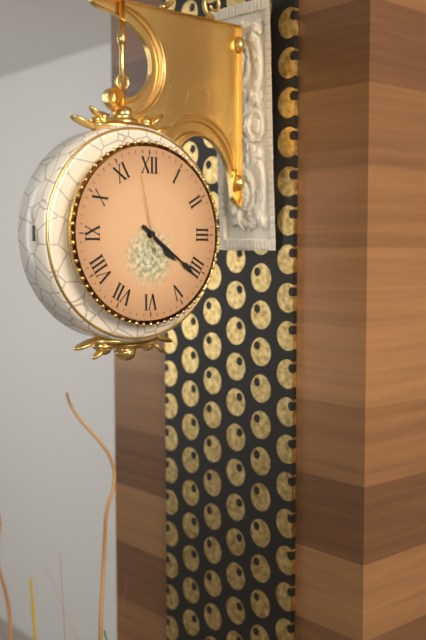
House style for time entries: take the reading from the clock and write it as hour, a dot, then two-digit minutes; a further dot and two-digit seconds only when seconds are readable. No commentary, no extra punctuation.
4.21.58
